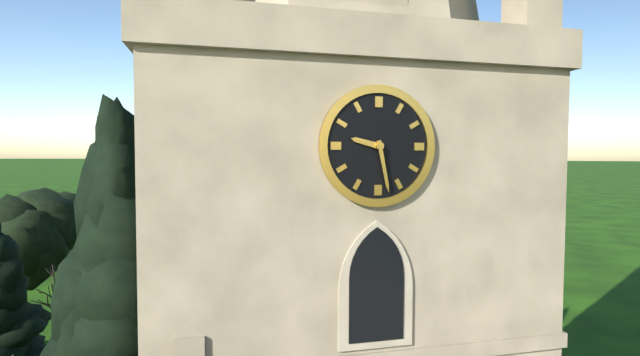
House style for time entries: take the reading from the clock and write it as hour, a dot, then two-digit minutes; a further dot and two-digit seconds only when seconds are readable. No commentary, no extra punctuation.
9.28
